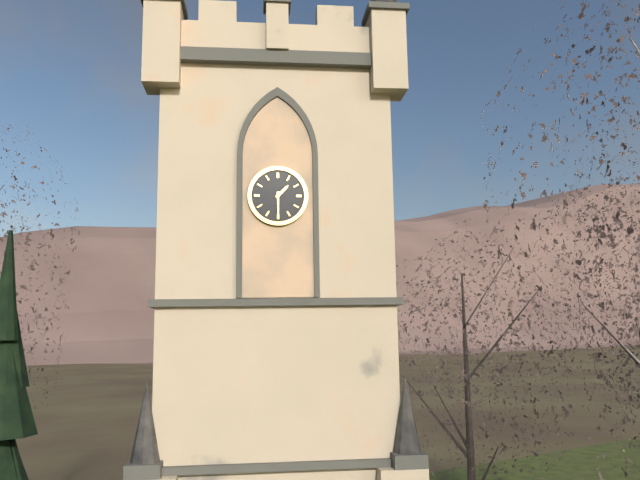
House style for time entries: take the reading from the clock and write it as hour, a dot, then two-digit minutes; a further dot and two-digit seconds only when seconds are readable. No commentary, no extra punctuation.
1.30
